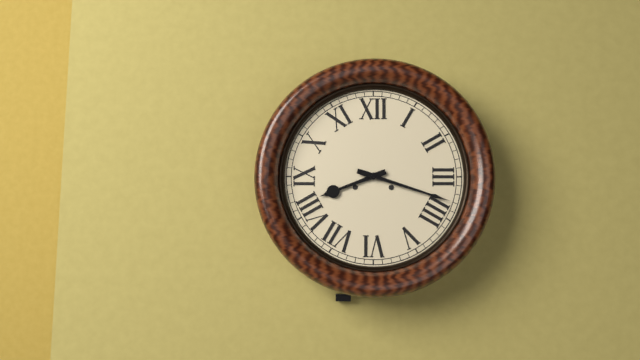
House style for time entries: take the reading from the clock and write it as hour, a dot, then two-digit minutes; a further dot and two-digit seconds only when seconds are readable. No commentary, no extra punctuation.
8.18
